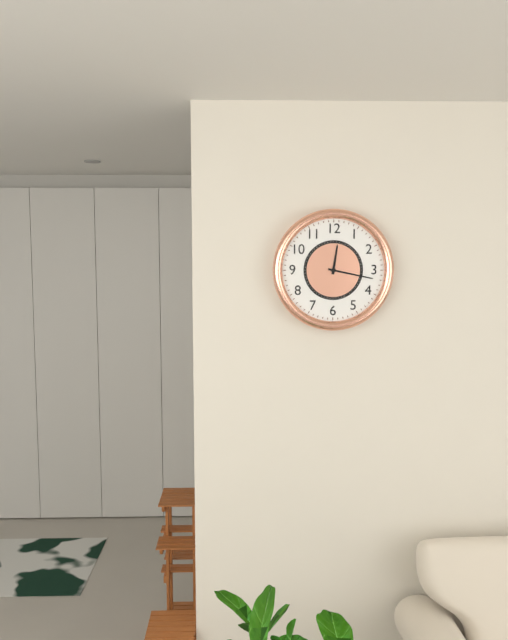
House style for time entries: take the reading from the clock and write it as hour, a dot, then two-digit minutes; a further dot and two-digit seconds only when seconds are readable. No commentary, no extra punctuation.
12.17
